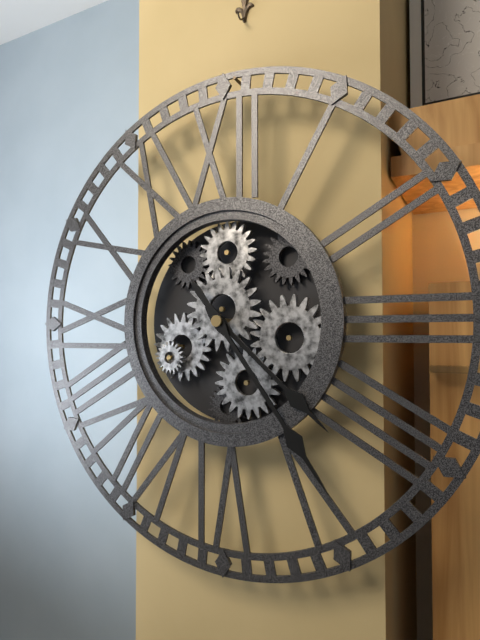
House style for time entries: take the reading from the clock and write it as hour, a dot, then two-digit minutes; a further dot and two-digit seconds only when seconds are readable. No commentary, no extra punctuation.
4.24
